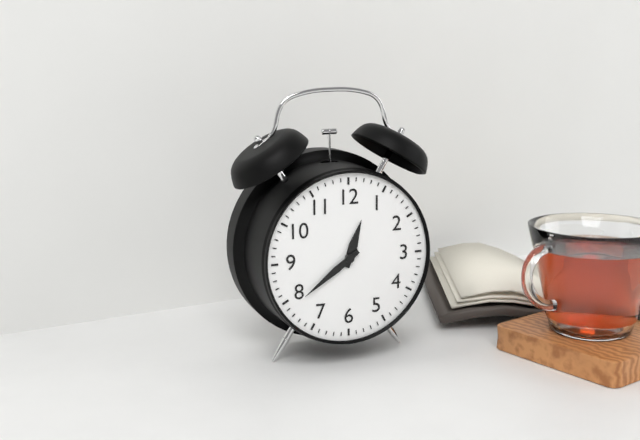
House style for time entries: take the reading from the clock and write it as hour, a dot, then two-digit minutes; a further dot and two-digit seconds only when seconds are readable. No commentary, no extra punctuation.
12.39
